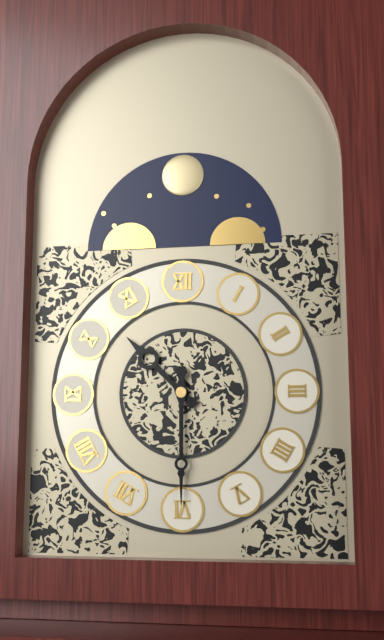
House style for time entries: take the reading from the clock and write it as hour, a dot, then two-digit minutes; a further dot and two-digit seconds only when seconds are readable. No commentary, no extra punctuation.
10.30
